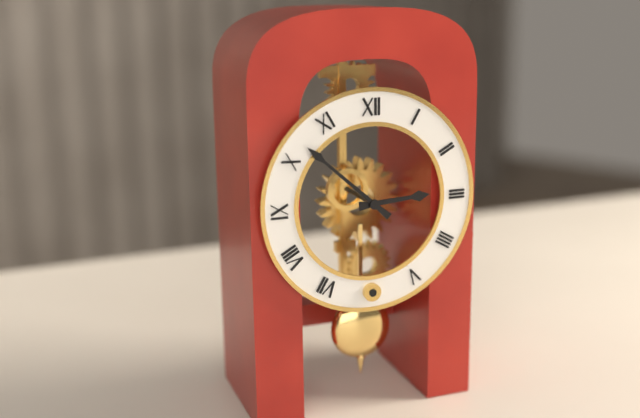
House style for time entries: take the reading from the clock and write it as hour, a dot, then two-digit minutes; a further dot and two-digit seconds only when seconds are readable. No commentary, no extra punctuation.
2.52
